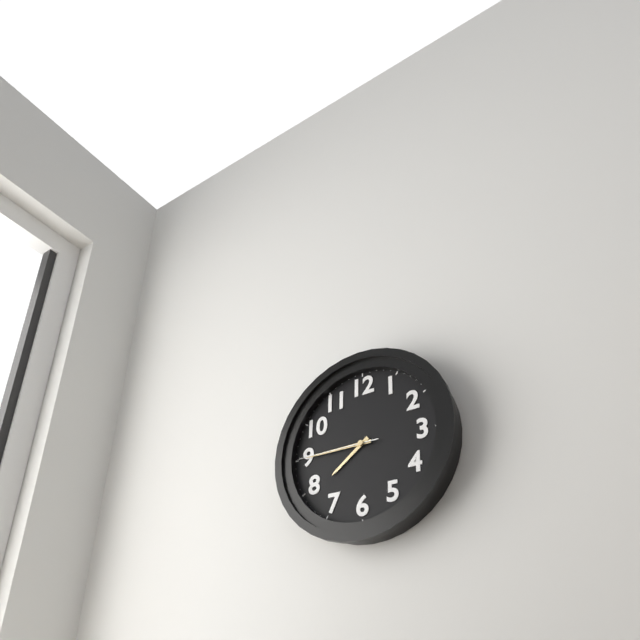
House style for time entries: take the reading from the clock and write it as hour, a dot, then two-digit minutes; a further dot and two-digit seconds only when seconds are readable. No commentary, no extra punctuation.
7.45.45
